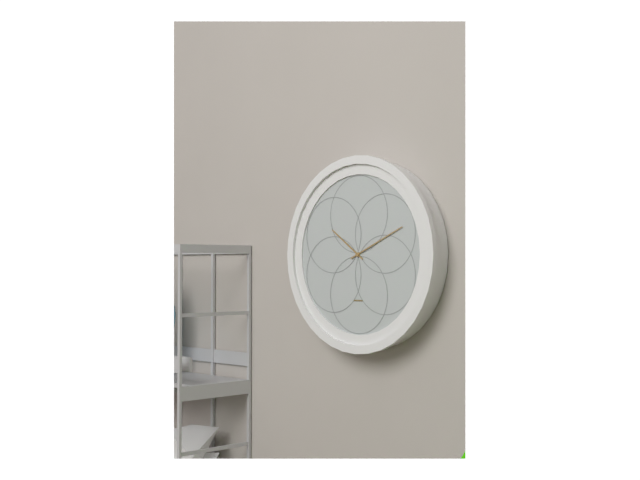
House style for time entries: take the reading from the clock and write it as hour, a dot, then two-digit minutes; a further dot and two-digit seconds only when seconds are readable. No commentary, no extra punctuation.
10.11
